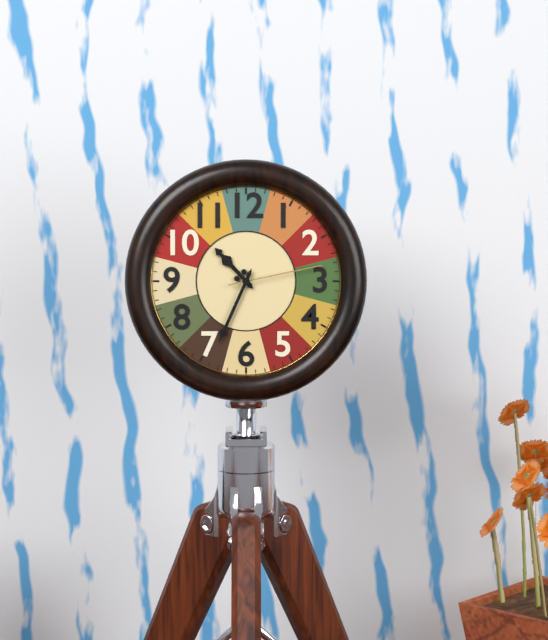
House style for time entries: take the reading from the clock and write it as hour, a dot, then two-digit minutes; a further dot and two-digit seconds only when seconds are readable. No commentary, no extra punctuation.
10.34.13
